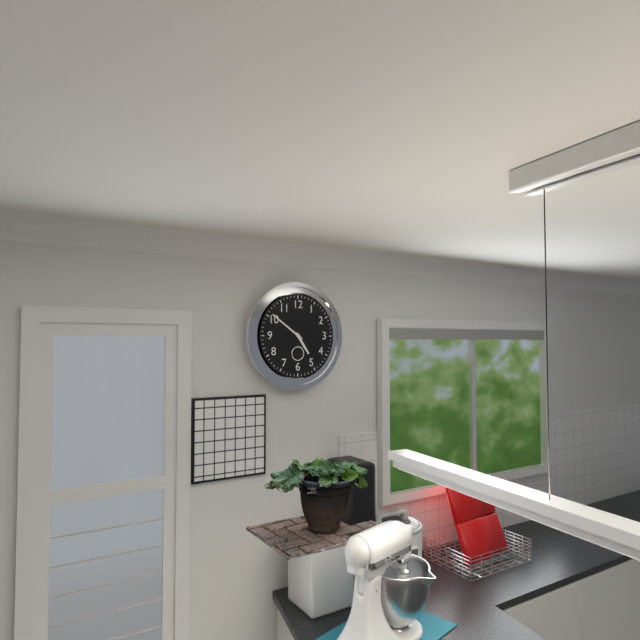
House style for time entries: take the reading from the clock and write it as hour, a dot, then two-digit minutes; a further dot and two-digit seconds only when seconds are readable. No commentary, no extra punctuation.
4.51
